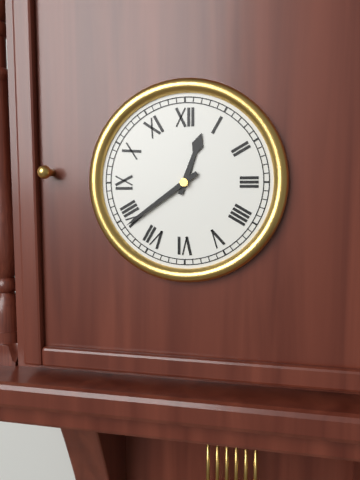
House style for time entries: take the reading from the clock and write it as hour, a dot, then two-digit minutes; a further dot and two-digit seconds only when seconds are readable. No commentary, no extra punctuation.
12.39
